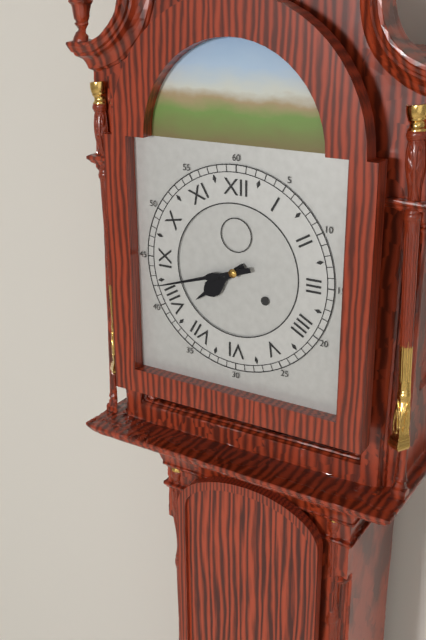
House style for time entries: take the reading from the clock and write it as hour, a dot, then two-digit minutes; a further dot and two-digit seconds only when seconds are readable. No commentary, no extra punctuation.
7.42
